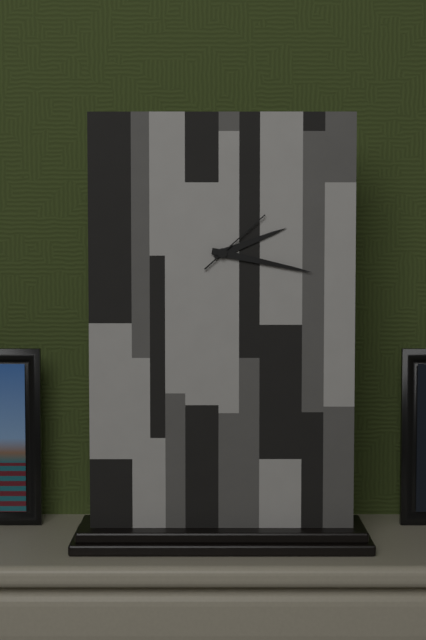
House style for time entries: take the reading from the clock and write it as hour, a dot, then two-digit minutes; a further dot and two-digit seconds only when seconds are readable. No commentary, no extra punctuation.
2.17.08
